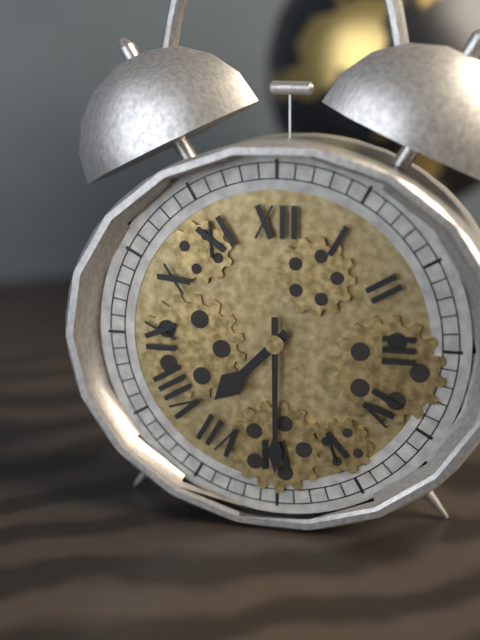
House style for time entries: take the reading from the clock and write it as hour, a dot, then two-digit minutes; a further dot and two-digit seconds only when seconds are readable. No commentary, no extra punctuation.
7.30
